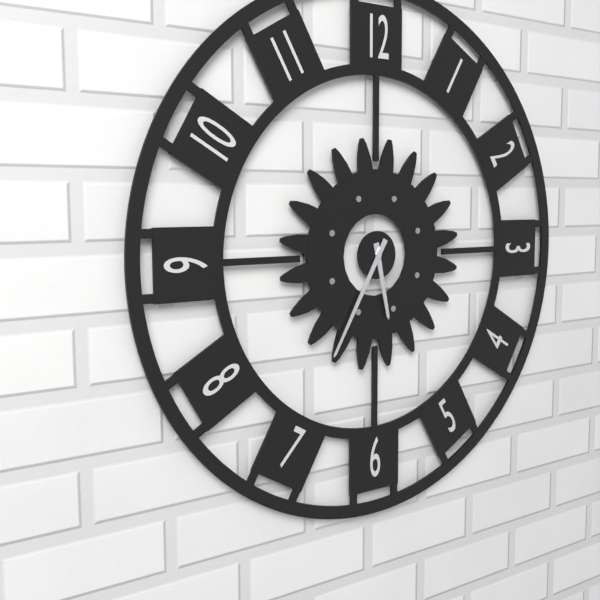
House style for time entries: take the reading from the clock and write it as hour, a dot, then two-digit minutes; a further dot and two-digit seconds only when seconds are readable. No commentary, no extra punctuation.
5.35
